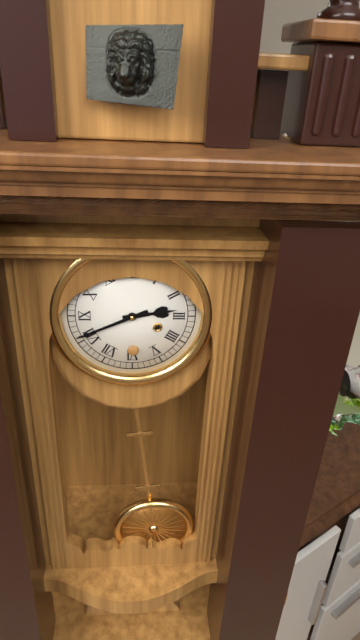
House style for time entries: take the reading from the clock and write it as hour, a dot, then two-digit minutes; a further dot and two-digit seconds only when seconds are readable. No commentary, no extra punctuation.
2.41
